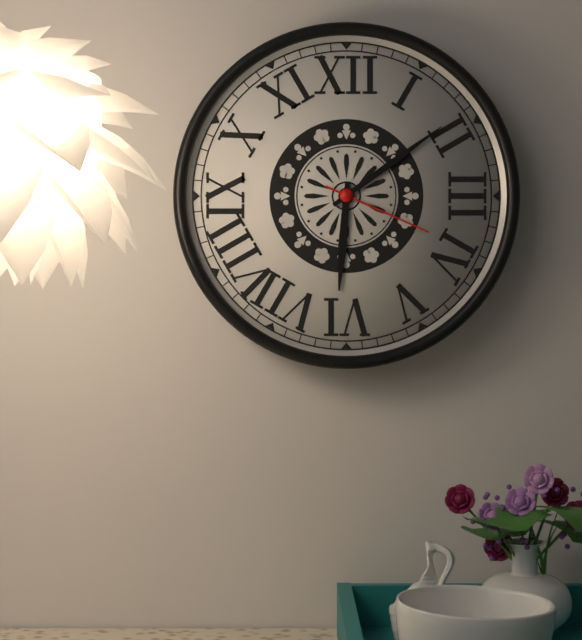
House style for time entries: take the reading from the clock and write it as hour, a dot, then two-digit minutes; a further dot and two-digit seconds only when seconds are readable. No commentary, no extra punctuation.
6.09.19
